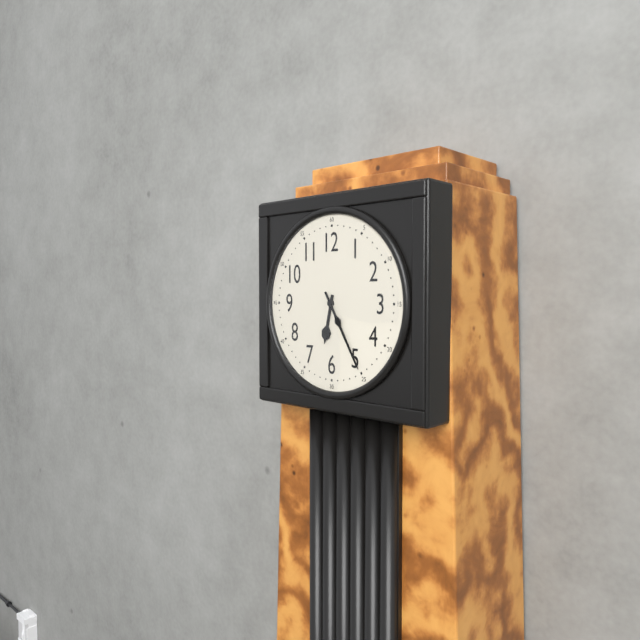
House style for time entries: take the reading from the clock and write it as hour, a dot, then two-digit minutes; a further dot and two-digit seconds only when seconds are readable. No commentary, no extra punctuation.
6.25
